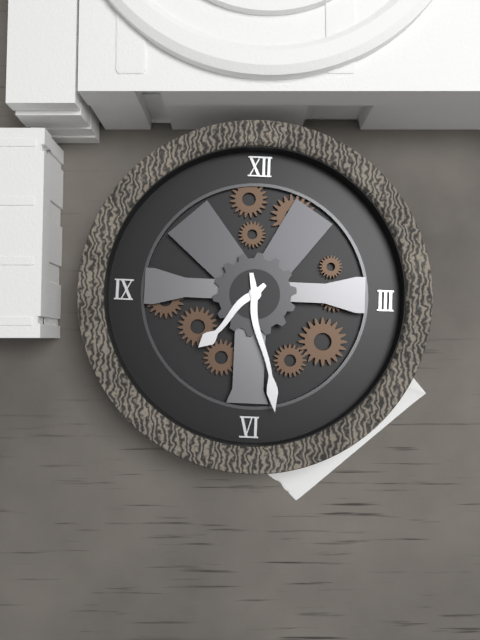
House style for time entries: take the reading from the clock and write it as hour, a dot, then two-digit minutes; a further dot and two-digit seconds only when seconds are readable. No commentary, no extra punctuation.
7.28
